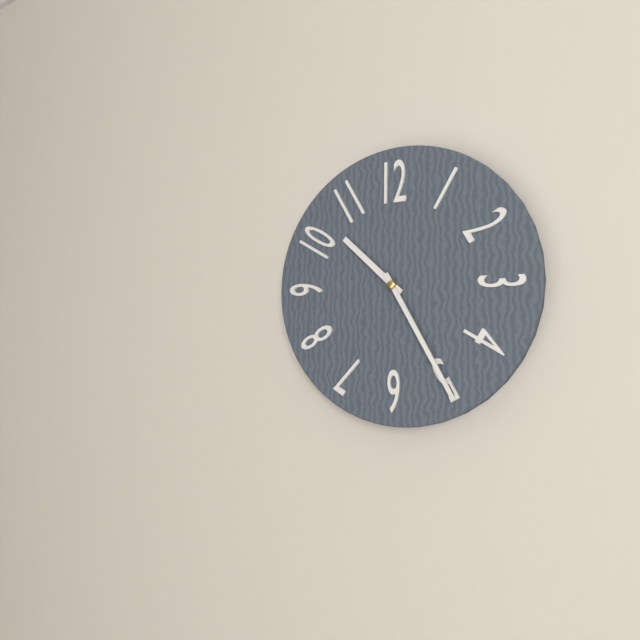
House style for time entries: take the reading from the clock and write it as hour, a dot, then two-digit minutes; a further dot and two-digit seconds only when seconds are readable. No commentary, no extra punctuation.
10.25
